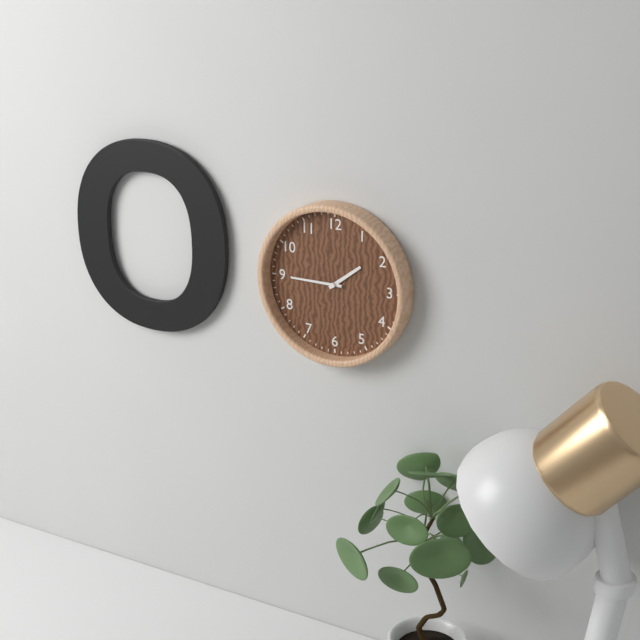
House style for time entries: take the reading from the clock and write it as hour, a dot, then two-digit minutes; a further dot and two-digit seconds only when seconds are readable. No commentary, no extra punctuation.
1.45
